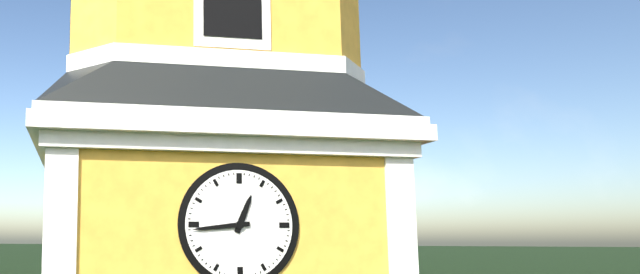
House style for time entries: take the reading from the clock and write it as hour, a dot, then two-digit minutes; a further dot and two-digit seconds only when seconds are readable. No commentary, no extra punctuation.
12.44
